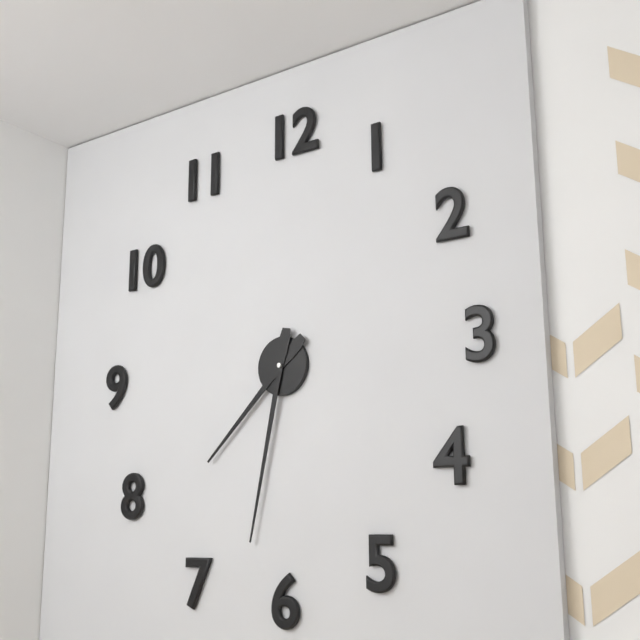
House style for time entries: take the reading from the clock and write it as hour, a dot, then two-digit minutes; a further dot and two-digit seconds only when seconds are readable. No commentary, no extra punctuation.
7.32
